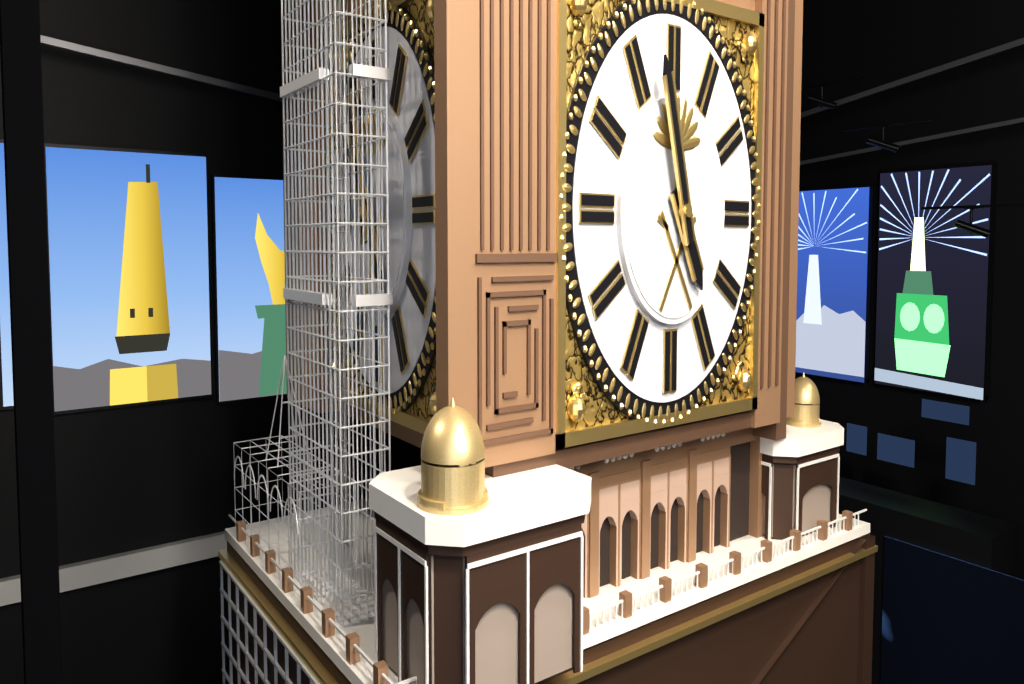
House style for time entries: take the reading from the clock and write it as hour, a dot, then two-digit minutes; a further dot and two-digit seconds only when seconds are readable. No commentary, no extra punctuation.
4.57
